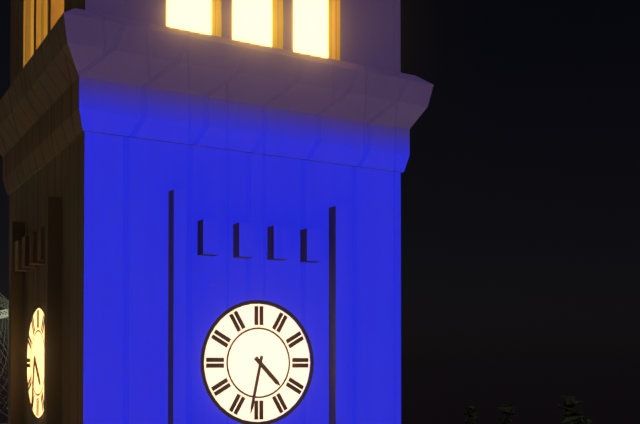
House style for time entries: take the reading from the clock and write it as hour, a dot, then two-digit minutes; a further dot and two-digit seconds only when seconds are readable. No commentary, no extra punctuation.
4.32
